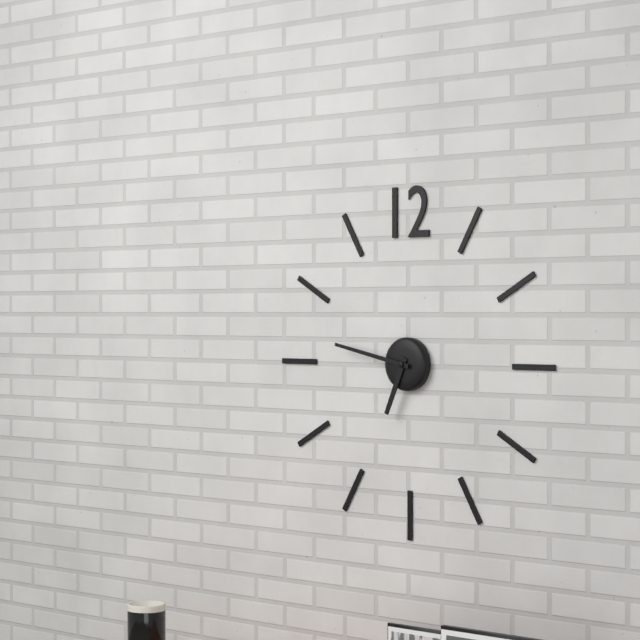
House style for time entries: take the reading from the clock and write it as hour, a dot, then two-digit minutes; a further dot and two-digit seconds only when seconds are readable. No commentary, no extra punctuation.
6.47
